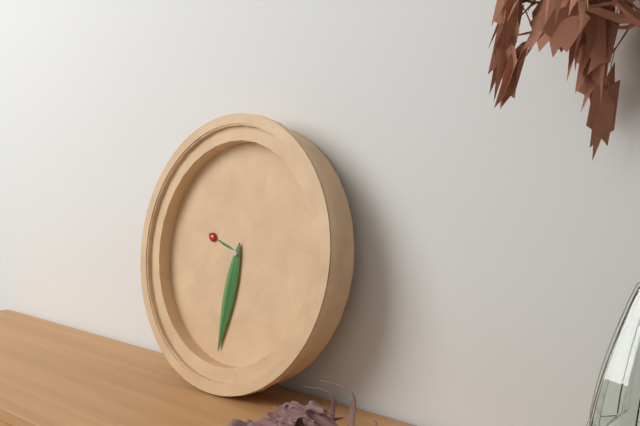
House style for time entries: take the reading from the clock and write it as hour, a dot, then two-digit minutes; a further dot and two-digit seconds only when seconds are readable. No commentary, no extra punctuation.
9.31
